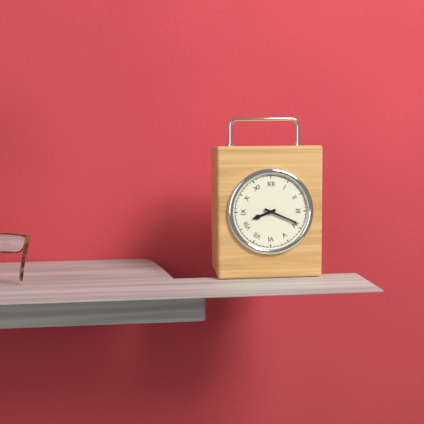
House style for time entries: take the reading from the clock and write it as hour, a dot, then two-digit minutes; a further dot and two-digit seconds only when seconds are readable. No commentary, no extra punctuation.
8.19
